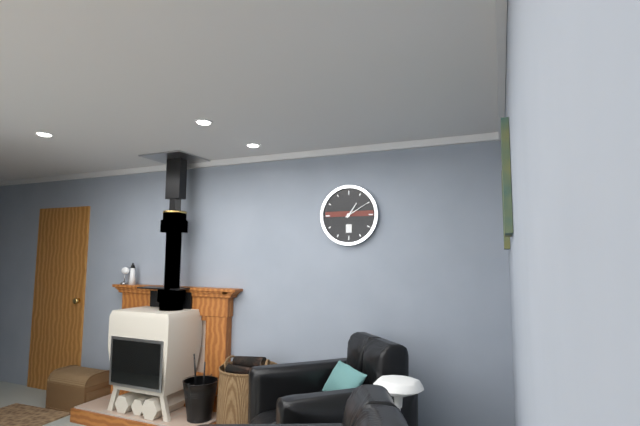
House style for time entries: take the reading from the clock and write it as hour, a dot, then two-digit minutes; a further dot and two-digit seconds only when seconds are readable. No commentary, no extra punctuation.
1.10
